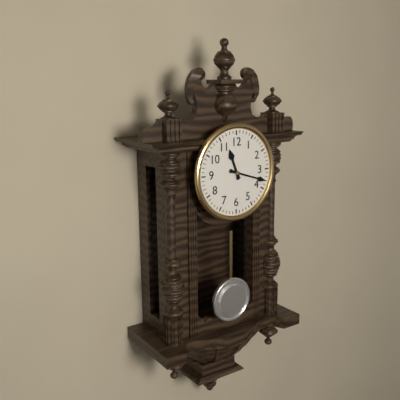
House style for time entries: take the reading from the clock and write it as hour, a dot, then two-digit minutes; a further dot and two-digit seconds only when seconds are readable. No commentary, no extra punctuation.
11.18
